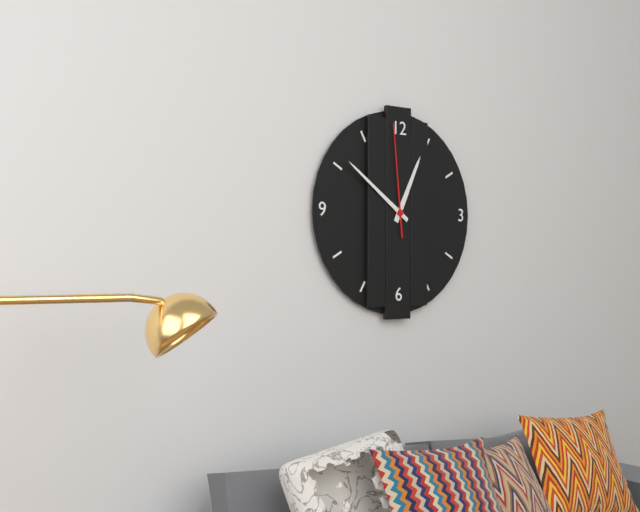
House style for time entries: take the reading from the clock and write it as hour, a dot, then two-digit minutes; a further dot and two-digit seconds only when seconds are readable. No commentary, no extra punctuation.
12.51.59
